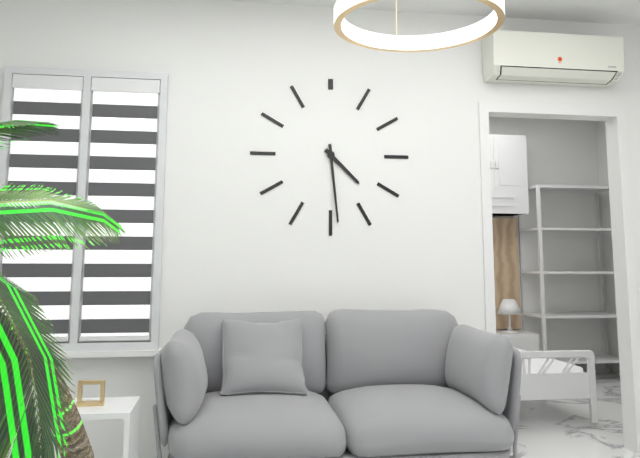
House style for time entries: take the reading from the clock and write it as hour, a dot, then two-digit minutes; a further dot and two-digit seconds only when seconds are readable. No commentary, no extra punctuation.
4.29
